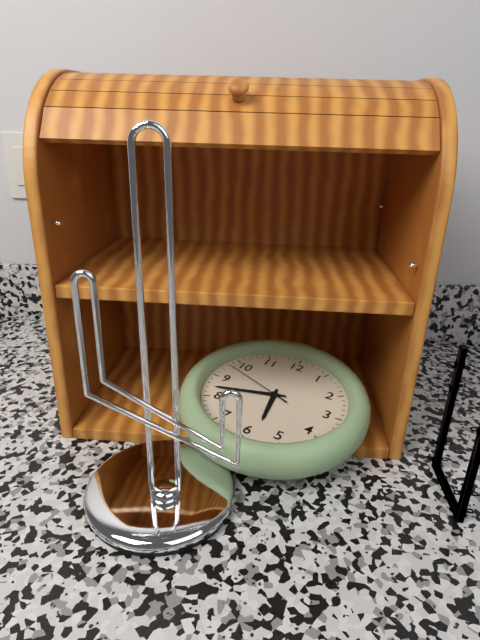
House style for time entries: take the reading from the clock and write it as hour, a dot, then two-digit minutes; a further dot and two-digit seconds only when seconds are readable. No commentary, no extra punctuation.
5.42.48
